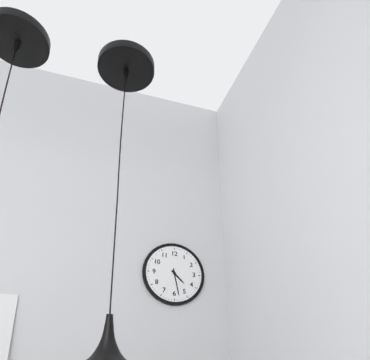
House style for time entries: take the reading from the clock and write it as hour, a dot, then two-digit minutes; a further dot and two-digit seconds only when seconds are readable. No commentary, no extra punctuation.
4.28
